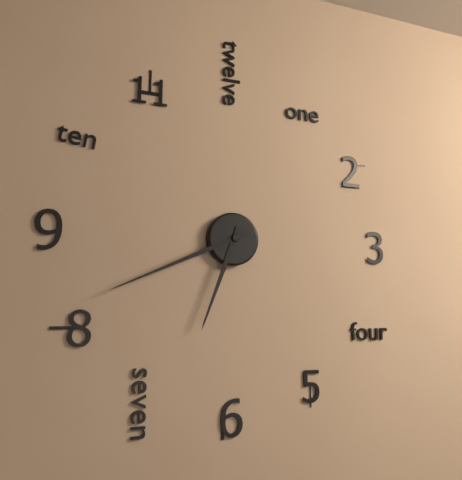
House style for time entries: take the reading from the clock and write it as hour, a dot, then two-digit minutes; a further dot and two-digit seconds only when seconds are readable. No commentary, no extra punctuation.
6.41
